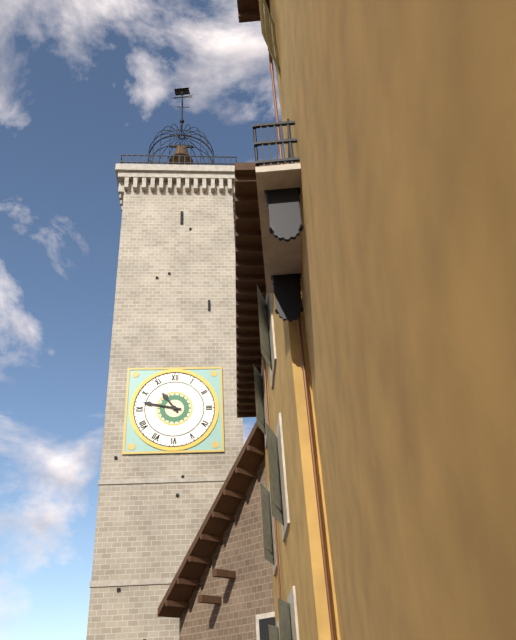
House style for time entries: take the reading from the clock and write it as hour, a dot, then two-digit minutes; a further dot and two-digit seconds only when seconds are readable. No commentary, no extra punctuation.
10.47
